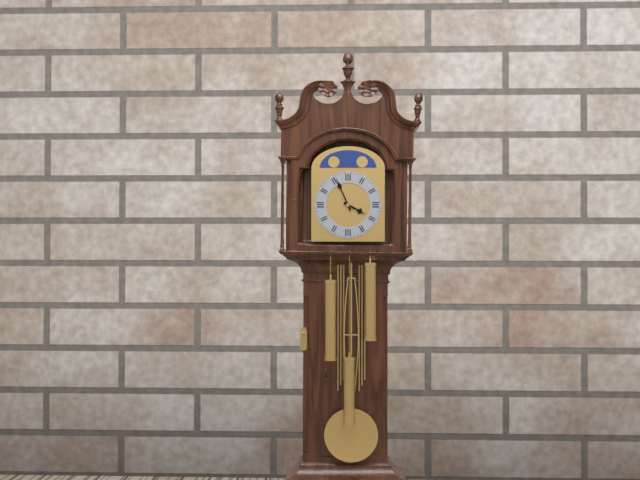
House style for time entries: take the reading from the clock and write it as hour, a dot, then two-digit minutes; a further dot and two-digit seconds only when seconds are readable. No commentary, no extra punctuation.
3.56
